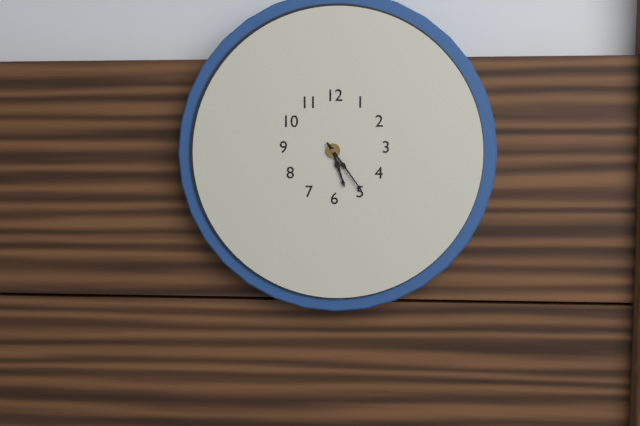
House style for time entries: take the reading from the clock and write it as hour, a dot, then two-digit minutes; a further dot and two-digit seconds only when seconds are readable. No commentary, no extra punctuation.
5.24
